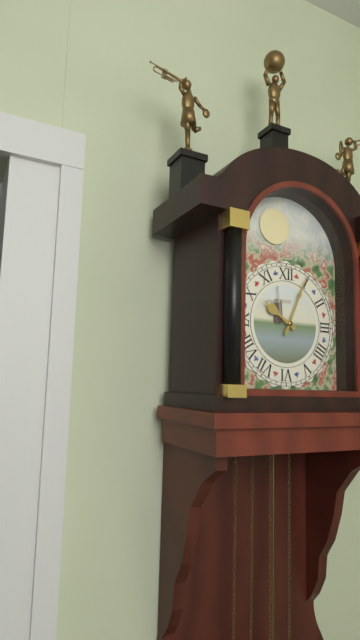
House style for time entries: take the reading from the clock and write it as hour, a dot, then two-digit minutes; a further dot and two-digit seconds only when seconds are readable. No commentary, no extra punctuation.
10.04
